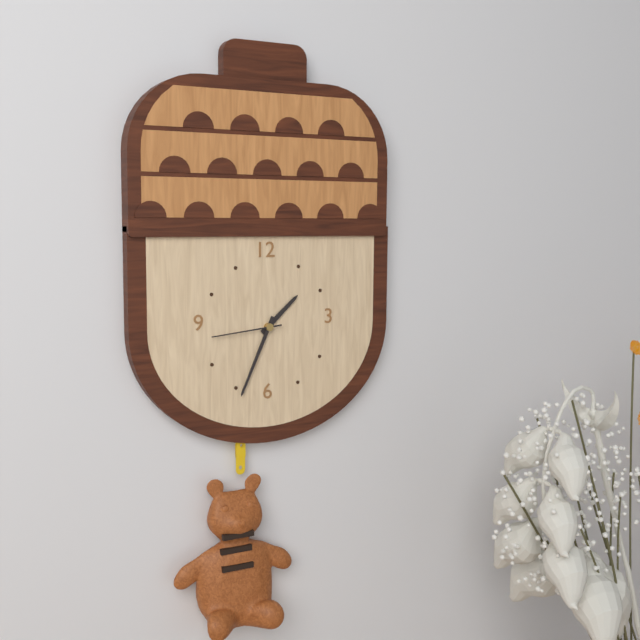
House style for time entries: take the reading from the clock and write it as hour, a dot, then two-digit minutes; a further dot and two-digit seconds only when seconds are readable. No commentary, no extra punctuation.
1.34.44
